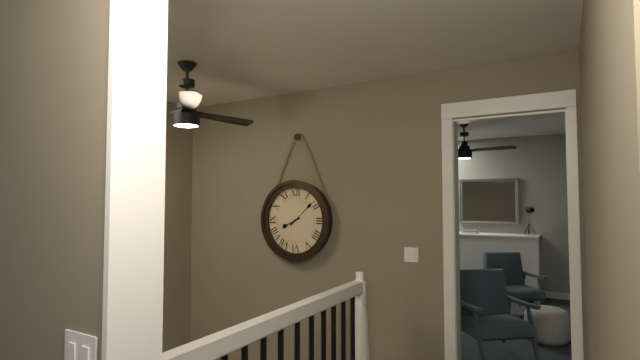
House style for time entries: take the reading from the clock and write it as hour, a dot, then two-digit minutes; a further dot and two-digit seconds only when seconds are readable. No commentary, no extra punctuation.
8.08
